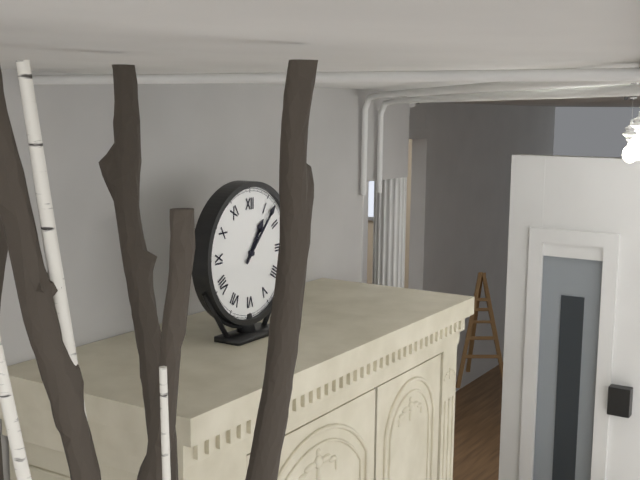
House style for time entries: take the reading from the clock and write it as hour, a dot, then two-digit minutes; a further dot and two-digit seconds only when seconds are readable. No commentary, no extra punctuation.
1.07
